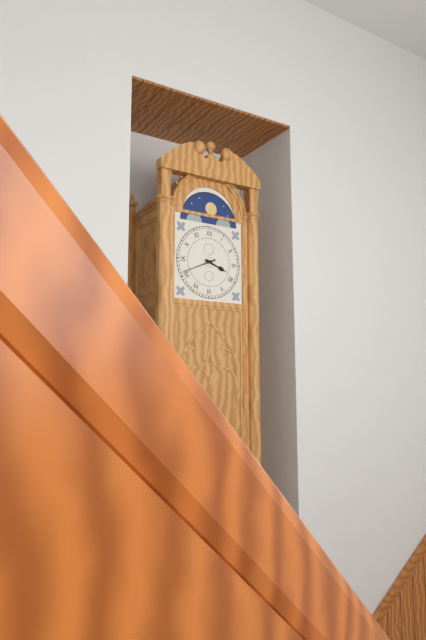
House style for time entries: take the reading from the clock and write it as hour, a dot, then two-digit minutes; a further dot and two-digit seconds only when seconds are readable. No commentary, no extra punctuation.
3.41
